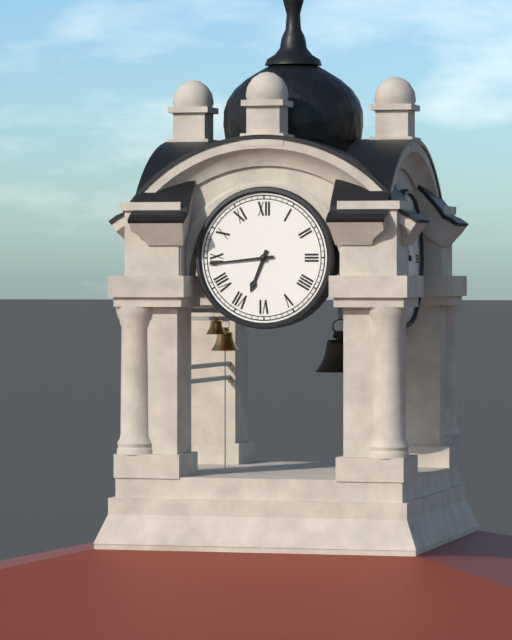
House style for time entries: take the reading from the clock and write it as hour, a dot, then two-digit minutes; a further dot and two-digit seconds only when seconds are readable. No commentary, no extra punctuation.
6.44
